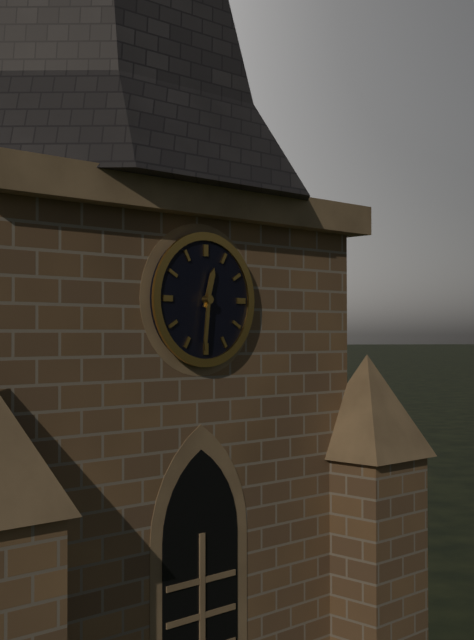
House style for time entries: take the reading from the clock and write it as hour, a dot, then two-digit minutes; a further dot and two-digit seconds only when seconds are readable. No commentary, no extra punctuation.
12.31
